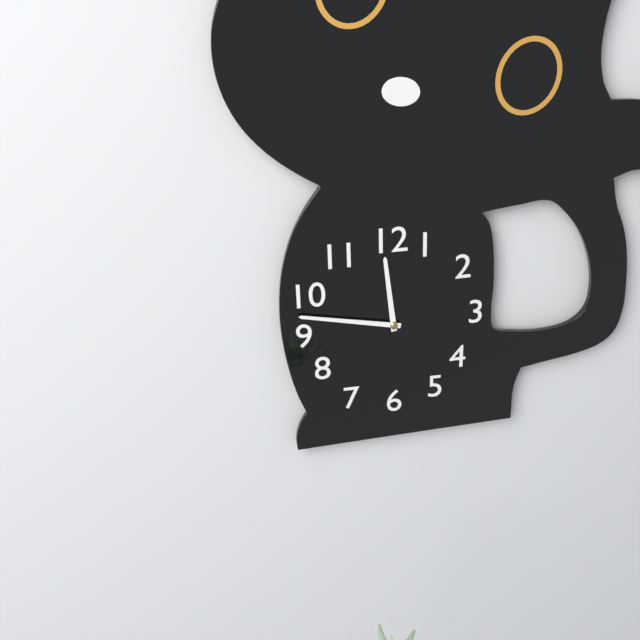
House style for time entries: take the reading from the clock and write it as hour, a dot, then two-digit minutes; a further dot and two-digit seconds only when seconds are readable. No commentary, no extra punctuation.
11.47
